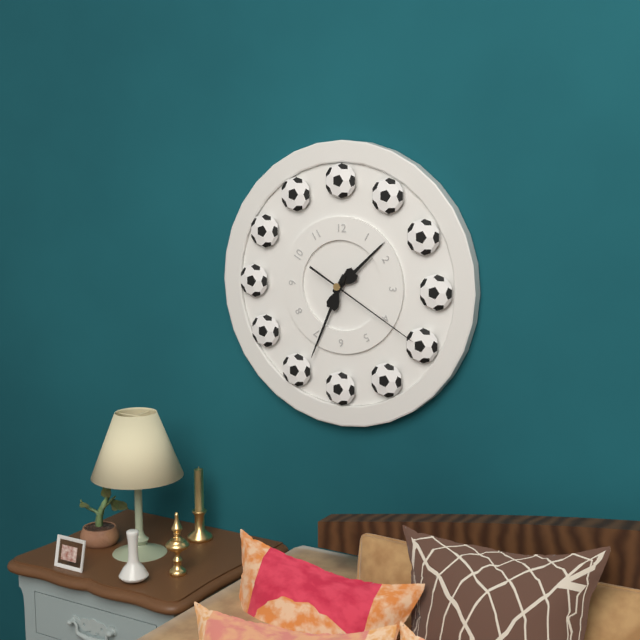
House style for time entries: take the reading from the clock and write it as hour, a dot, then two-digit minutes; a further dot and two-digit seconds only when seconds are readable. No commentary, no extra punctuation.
1.34.20
